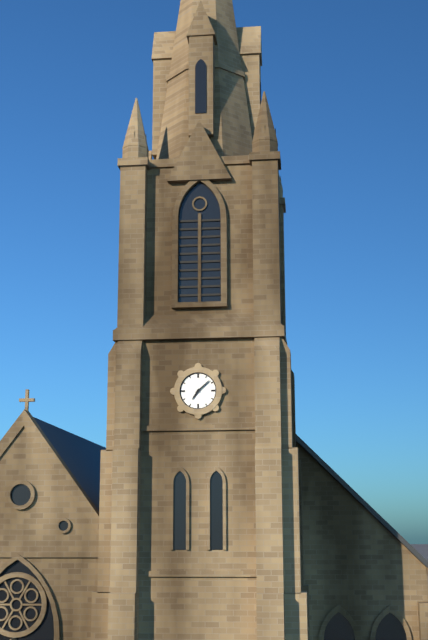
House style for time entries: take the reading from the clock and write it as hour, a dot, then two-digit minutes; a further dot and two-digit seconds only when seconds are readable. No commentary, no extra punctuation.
7.08
